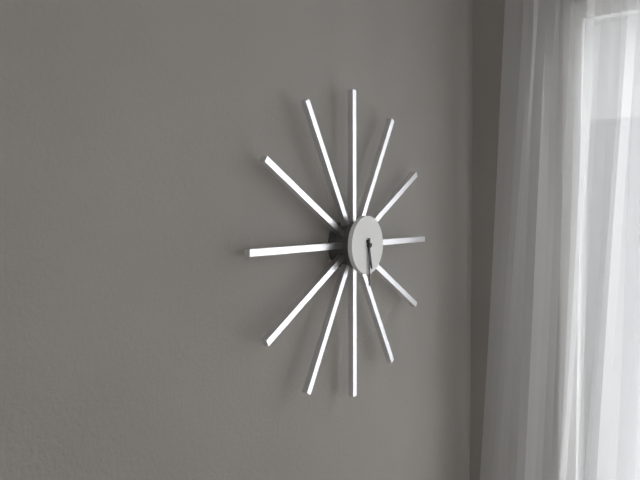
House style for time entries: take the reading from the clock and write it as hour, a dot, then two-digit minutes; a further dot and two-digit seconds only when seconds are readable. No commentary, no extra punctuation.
5.30
